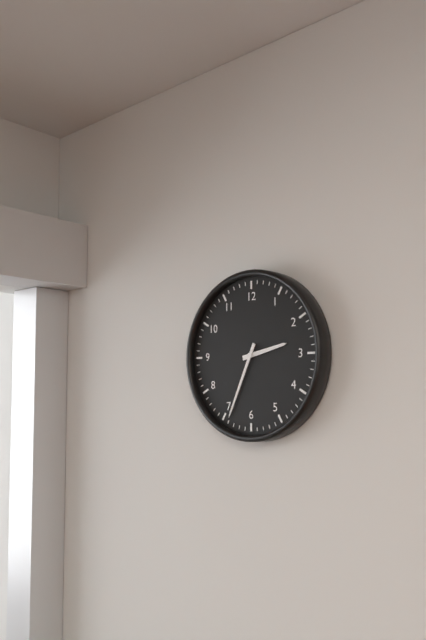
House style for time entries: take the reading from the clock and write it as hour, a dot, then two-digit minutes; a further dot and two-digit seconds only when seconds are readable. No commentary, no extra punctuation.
2.34
